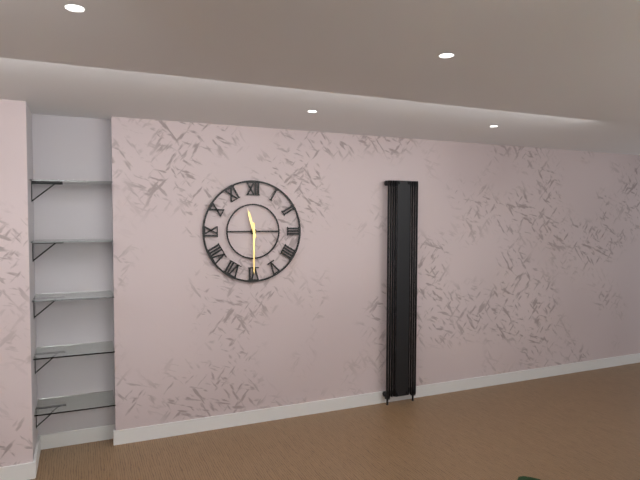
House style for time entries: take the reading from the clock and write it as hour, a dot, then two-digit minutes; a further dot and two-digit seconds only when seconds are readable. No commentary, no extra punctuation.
11.30
